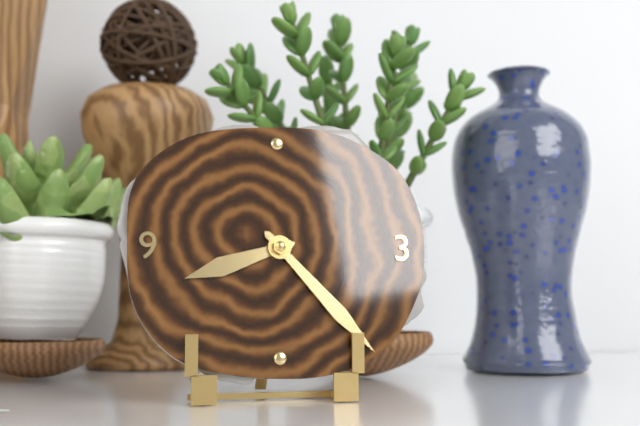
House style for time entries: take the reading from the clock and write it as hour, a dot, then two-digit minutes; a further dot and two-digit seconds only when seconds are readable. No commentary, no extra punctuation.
8.23
